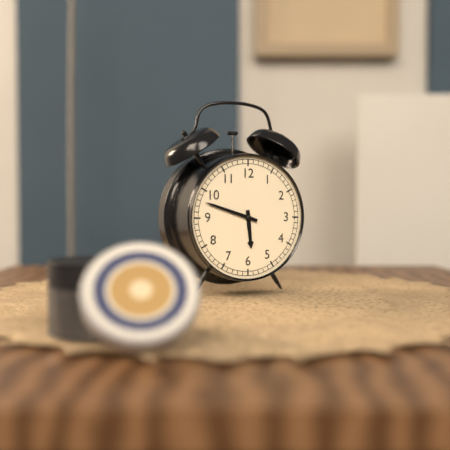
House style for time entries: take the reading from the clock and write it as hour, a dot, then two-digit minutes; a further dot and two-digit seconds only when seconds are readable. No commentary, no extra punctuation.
5.48
